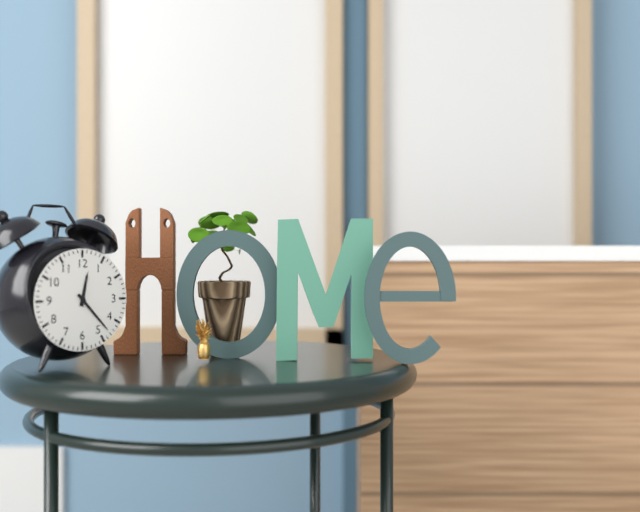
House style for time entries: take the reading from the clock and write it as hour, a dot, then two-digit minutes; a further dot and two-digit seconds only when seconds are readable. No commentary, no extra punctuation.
12.23
